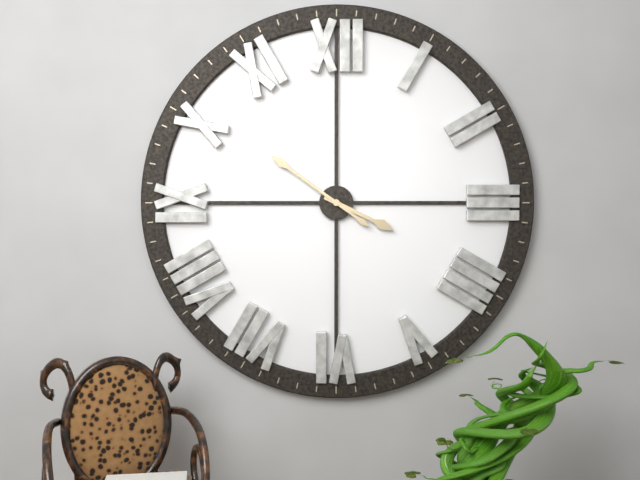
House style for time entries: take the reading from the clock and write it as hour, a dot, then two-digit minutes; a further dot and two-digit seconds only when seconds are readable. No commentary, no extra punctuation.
3.51
